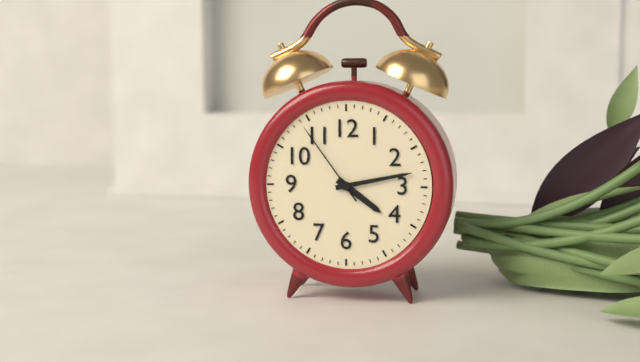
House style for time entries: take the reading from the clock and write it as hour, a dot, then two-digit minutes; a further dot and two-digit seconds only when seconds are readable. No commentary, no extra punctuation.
4.13.54
